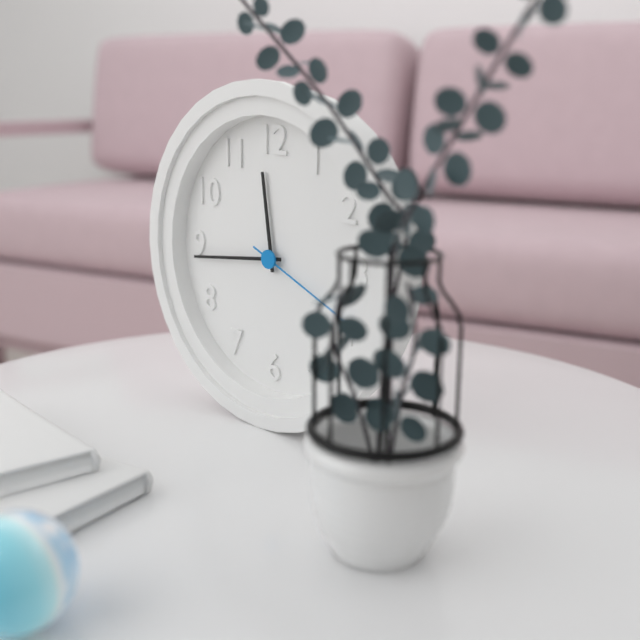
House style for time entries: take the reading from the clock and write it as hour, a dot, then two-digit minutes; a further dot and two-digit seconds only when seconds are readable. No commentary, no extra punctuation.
11.44
